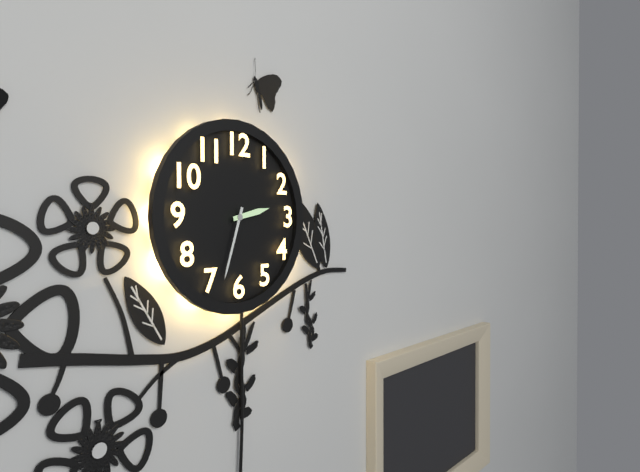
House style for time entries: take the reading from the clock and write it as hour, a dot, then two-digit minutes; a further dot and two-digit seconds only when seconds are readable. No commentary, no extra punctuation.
2.33
